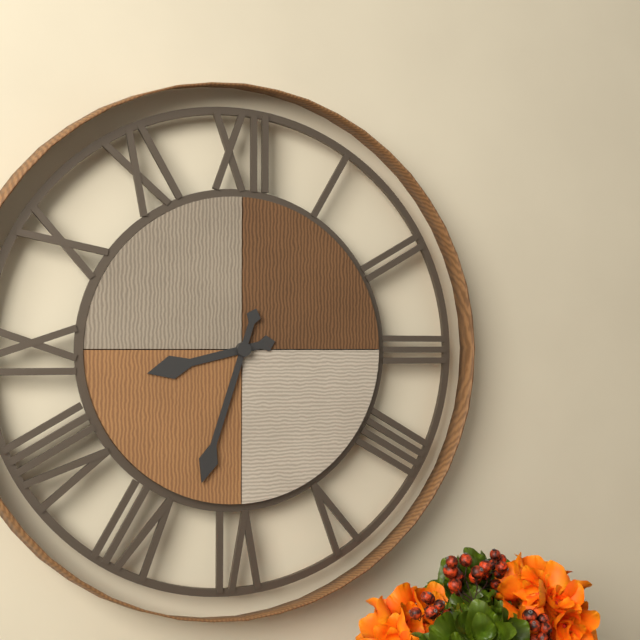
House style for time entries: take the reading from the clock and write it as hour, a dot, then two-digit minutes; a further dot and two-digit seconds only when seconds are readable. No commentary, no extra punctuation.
8.33
